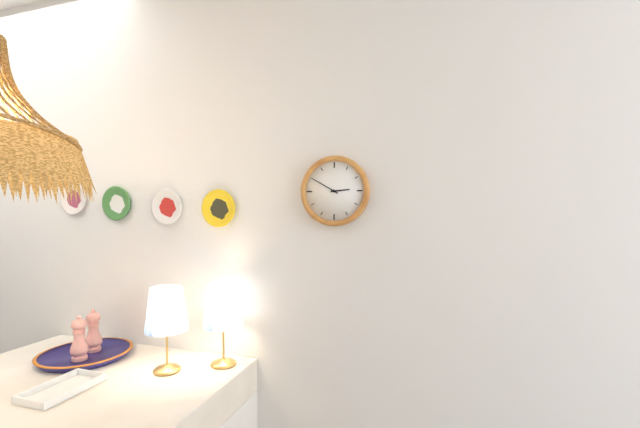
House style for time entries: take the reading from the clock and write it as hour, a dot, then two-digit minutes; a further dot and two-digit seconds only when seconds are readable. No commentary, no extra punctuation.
2.50
